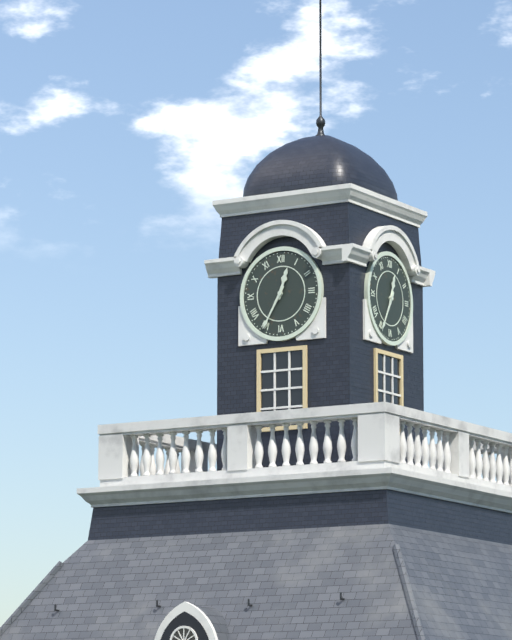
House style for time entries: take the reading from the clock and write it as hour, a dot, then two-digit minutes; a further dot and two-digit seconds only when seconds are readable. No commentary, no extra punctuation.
12.35
